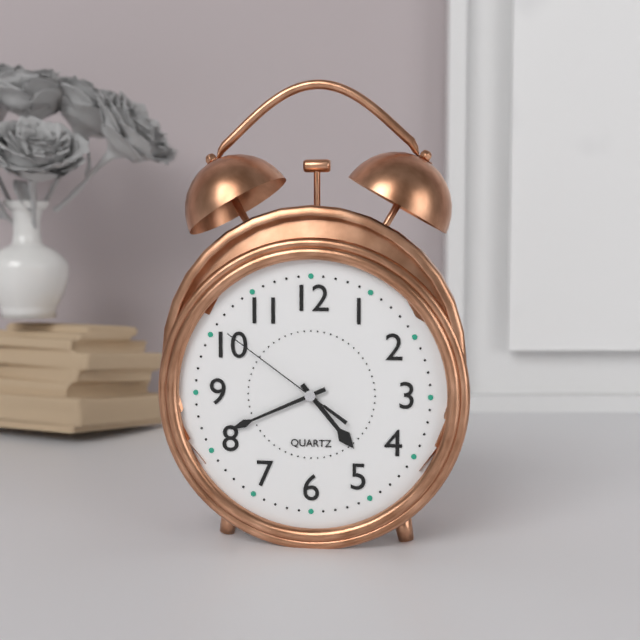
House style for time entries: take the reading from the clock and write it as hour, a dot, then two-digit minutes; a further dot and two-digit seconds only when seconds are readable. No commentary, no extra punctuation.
4.41.51
